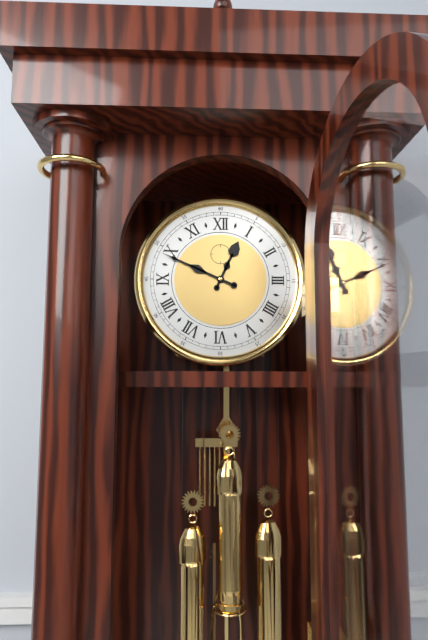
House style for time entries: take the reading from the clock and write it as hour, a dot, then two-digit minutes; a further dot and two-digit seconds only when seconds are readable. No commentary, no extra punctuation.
12.49
